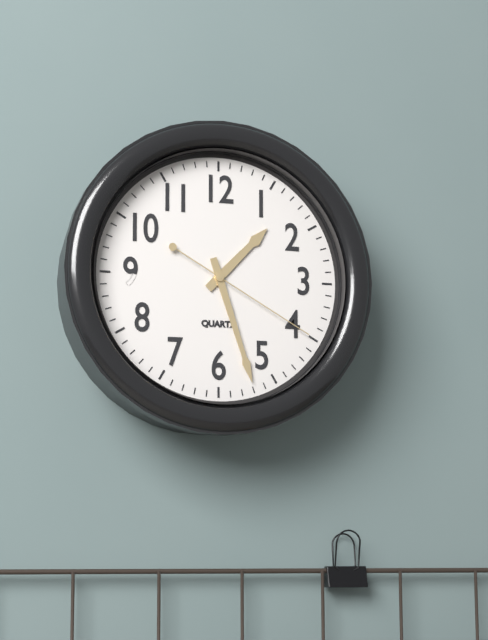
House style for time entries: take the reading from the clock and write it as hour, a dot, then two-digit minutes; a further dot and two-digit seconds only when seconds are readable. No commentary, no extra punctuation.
1.27.20
